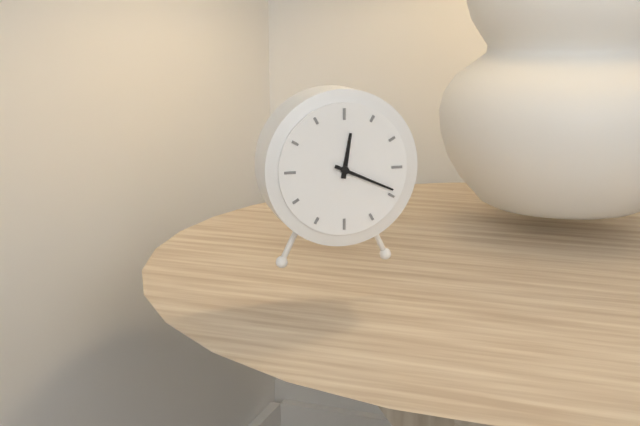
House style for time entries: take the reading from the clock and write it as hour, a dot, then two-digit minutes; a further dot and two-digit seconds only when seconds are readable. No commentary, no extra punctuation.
12.19
